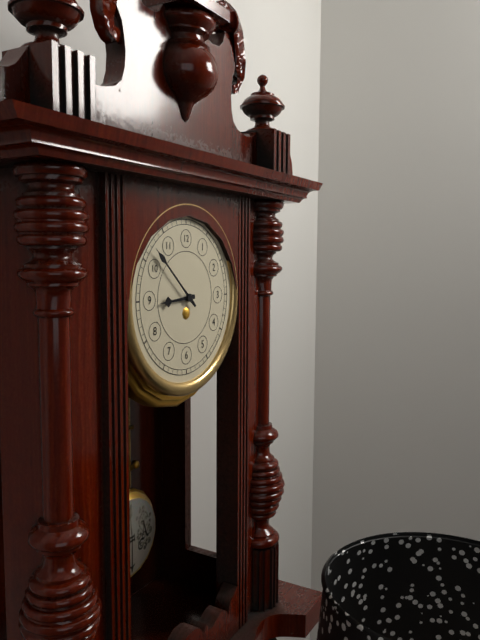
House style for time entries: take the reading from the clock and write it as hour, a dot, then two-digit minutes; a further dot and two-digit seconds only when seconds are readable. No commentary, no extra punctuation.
8.52
